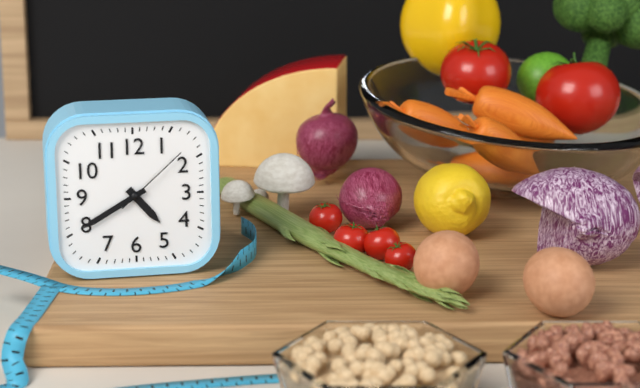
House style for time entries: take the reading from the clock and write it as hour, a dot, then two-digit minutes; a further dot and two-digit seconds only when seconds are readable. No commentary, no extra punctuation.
4.40.08
